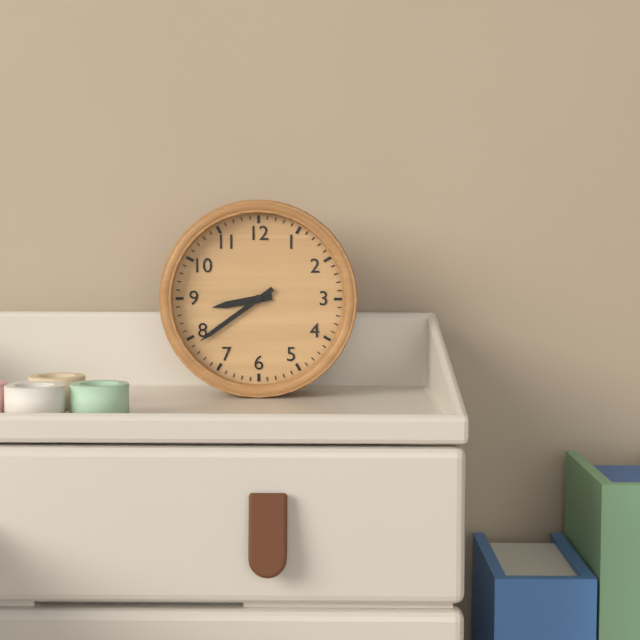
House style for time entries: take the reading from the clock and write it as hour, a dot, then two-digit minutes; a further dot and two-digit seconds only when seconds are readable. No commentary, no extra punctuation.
8.39
